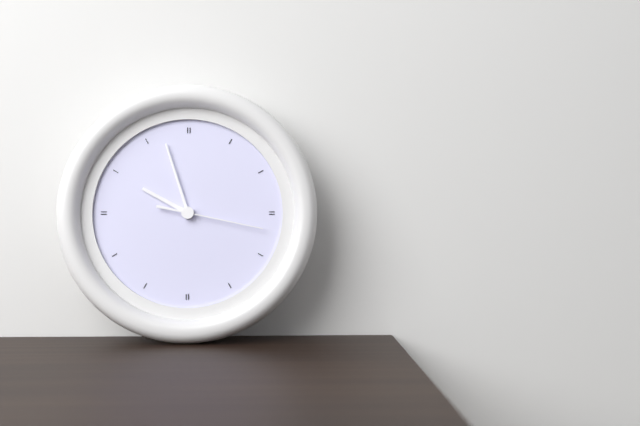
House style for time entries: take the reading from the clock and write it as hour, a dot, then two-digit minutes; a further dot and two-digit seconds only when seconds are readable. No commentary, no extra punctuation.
9.57.17
